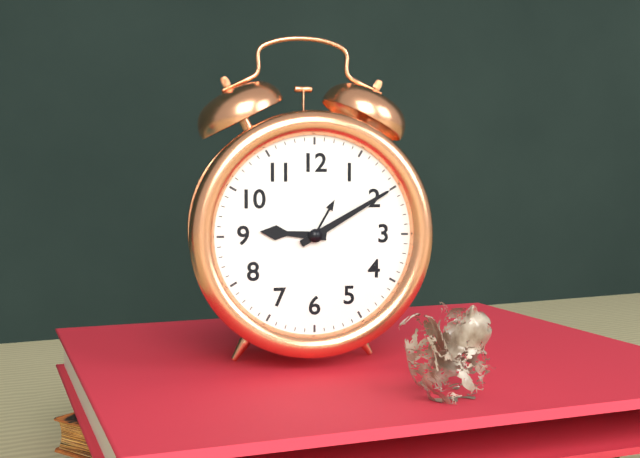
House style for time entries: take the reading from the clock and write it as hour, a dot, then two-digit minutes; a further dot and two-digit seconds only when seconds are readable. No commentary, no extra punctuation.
9.10
